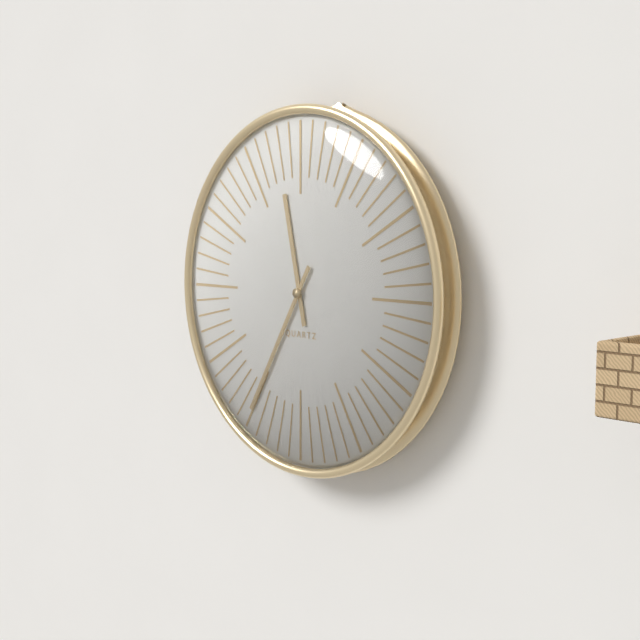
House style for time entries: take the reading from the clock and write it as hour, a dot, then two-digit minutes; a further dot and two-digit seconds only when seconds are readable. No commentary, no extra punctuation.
11.35
